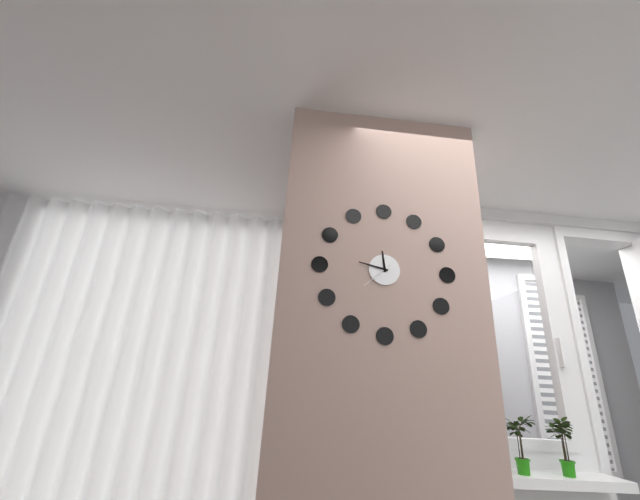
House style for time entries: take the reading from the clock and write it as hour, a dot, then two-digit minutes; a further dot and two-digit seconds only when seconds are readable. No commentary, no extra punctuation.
11.47
